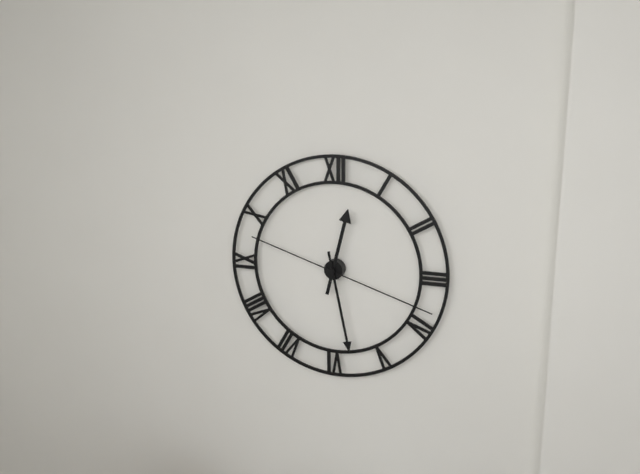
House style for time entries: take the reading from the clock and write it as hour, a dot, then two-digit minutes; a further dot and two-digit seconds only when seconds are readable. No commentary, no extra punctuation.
12.28.18
